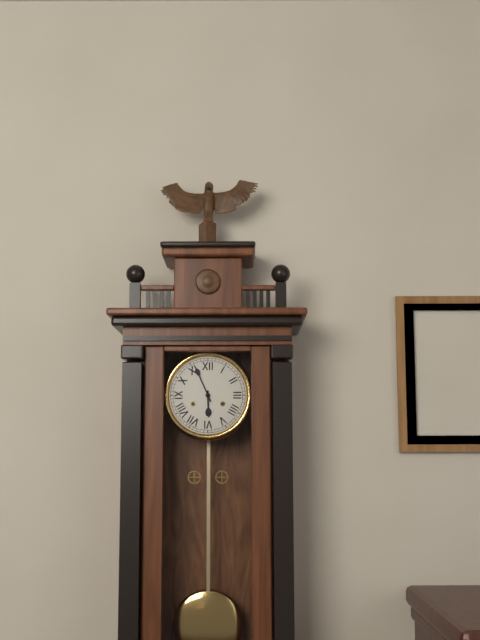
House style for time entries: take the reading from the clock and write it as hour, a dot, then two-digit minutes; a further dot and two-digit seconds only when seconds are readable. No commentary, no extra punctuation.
5.56
